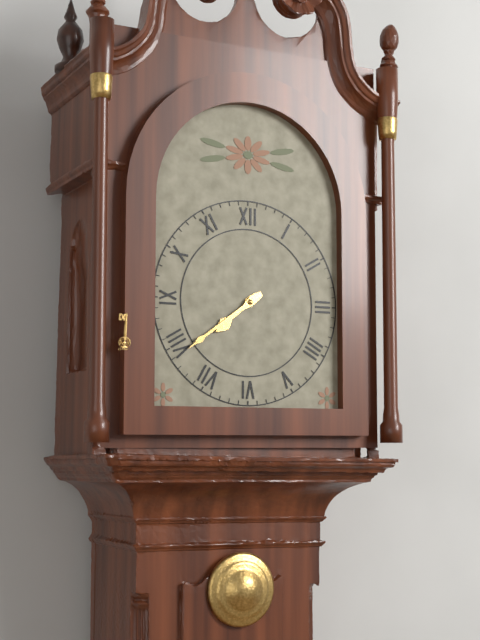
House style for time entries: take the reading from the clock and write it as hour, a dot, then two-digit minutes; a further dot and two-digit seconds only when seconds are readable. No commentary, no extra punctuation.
7.39
